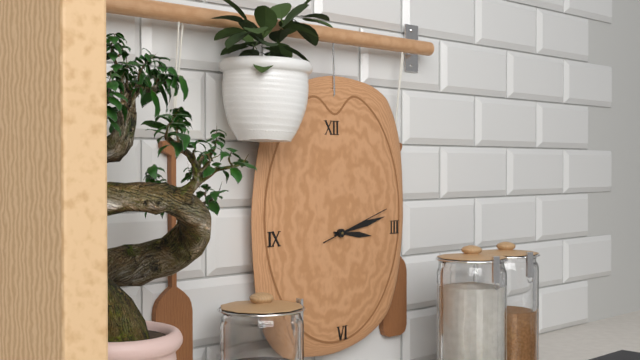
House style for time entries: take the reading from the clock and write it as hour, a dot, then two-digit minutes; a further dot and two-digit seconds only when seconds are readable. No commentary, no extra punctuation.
3.13.12
